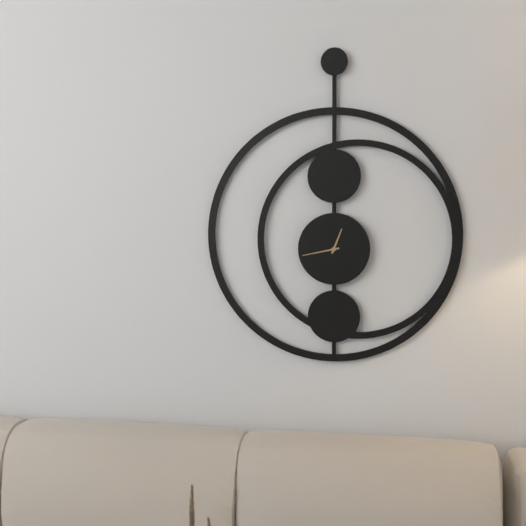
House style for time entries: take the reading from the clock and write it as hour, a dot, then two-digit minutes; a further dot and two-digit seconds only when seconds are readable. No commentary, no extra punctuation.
12.43
